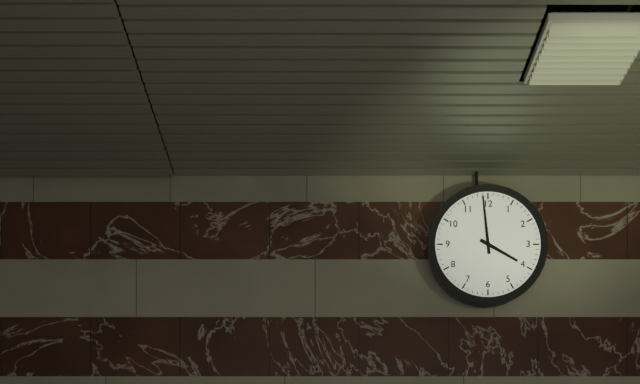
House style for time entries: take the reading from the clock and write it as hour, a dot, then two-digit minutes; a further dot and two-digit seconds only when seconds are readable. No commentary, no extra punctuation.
3.59
